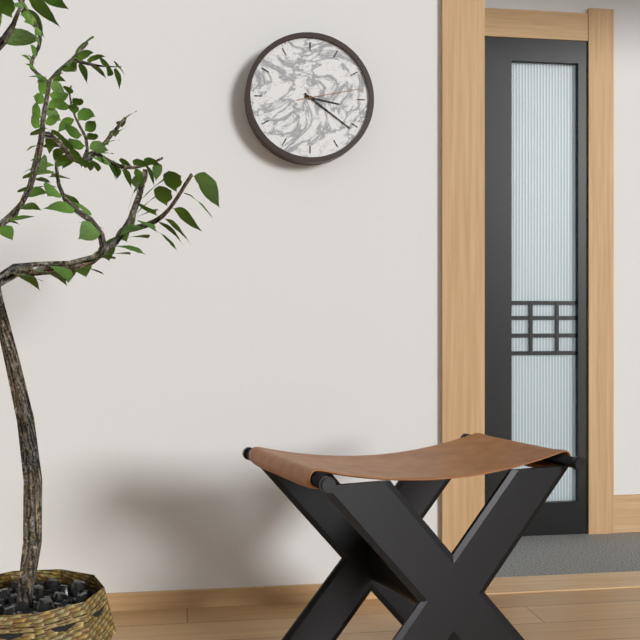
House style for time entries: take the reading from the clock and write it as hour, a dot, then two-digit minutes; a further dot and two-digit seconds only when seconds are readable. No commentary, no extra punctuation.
3.21.13
